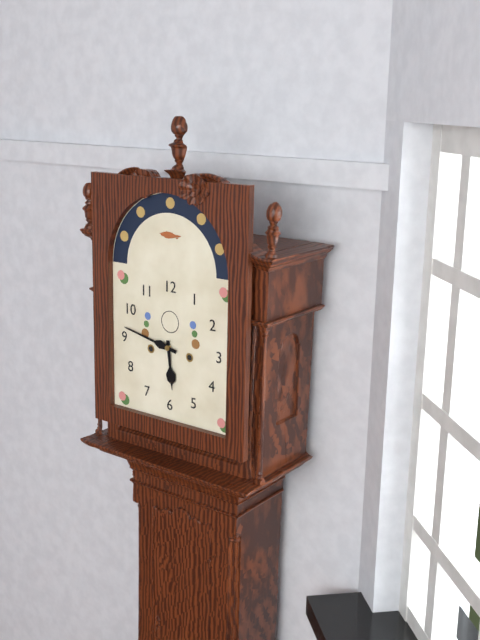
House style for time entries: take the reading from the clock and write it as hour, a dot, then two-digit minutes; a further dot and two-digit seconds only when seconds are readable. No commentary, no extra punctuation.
5.47
